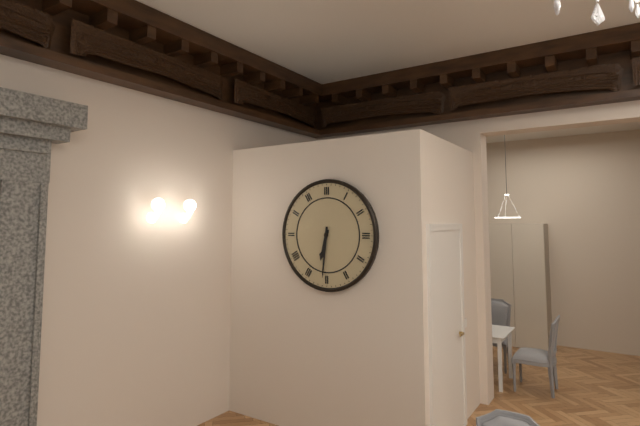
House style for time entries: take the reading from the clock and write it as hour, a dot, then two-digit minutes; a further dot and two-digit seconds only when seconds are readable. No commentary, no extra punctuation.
6.31
